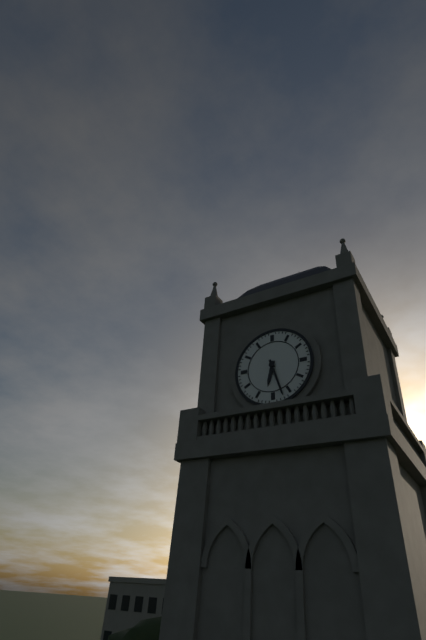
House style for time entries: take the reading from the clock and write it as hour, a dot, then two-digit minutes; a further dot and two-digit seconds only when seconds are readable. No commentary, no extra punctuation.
6.27
